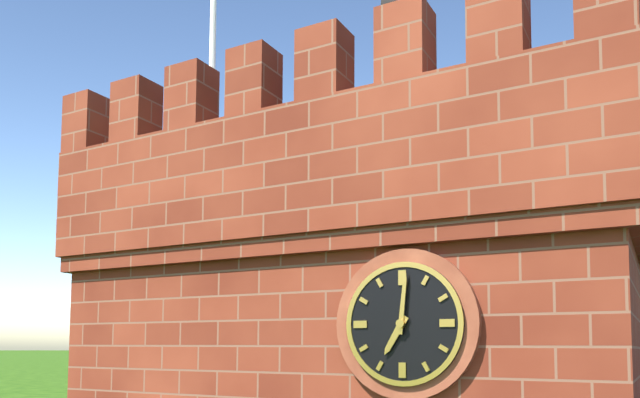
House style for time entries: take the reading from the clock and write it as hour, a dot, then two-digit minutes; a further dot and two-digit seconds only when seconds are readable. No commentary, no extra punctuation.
7.01
